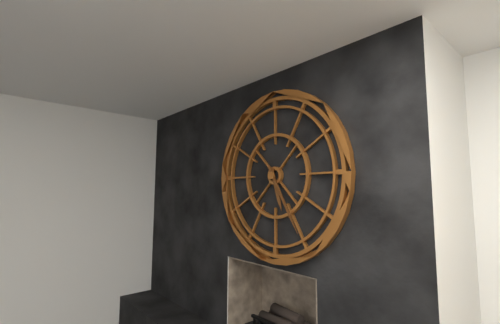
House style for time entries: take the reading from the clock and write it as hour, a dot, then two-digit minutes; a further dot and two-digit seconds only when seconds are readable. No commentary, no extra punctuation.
5.25
